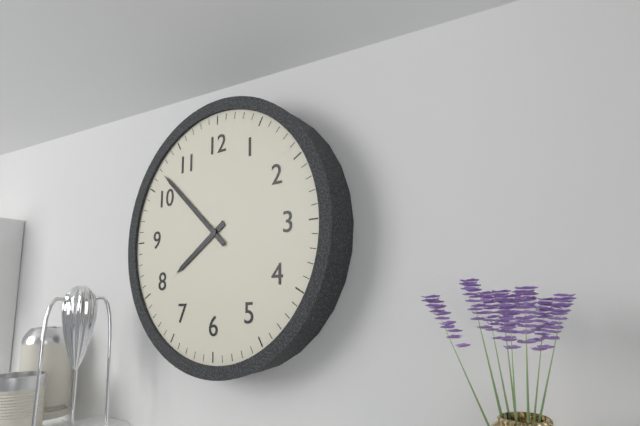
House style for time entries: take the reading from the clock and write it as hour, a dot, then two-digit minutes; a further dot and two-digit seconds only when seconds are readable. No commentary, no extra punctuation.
7.52
